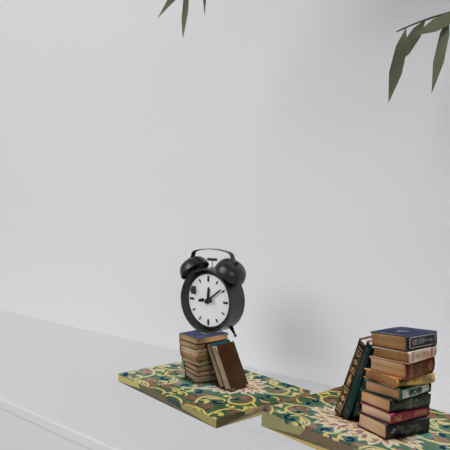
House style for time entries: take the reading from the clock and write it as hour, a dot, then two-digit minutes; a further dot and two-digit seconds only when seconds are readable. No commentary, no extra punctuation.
12.09
